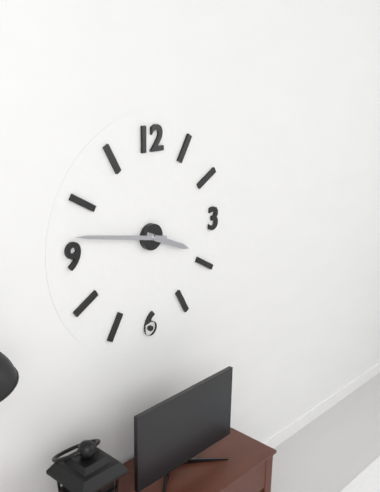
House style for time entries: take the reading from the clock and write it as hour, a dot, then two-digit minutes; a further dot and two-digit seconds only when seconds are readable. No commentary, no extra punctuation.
3.47
